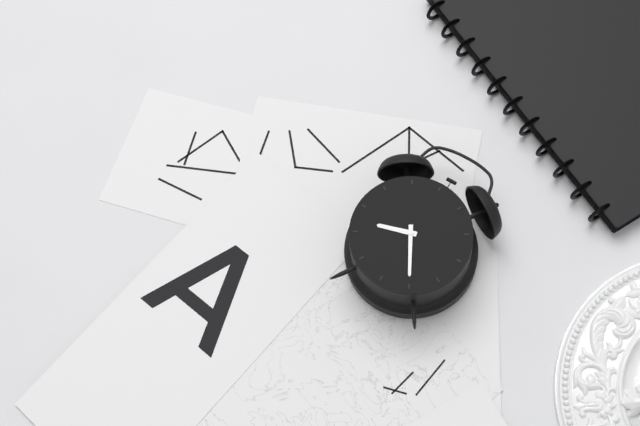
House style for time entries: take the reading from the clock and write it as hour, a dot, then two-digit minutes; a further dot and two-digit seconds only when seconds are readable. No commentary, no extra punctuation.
8.25
